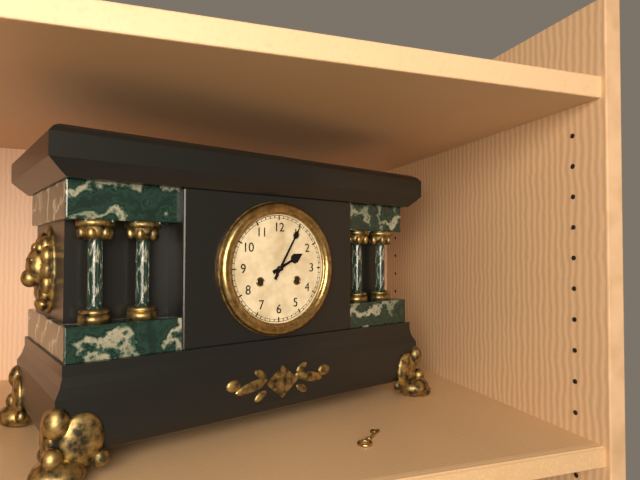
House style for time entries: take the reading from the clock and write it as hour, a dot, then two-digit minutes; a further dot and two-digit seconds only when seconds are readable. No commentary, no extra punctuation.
2.05
